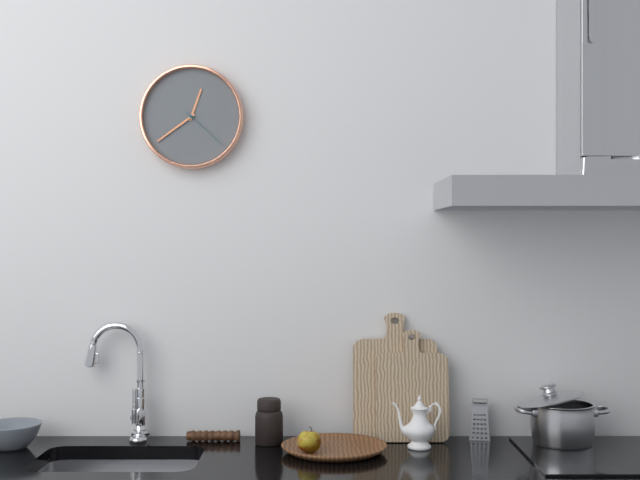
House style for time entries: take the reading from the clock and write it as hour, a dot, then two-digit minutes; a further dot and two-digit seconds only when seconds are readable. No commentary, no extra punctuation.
12.39.22
